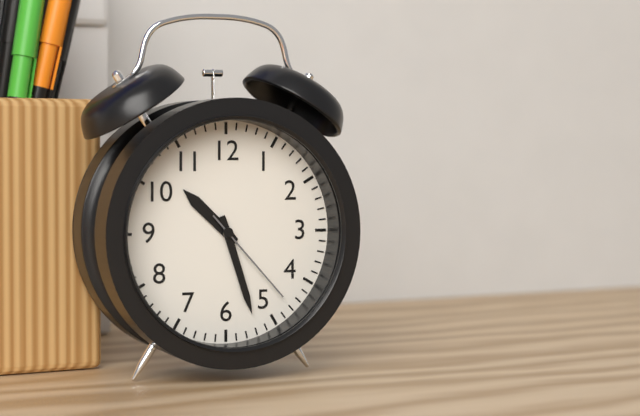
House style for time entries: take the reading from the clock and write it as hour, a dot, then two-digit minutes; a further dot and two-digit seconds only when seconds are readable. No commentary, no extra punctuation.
10.27.23
